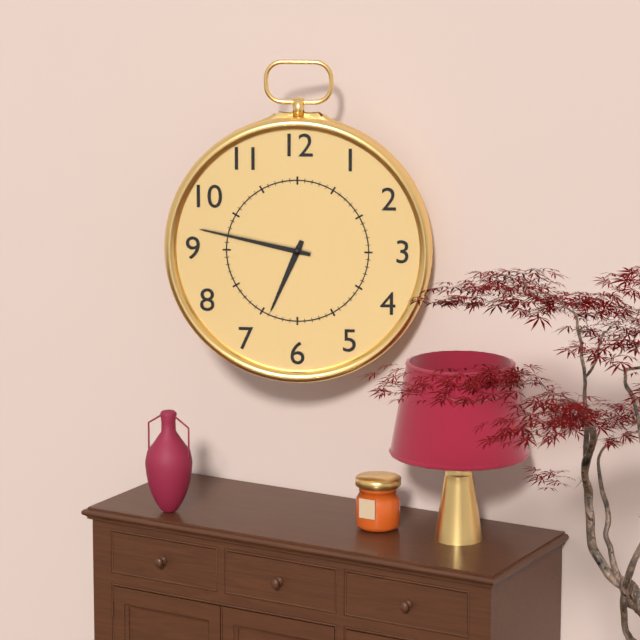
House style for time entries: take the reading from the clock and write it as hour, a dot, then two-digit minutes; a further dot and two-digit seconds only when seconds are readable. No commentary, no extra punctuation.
6.47
